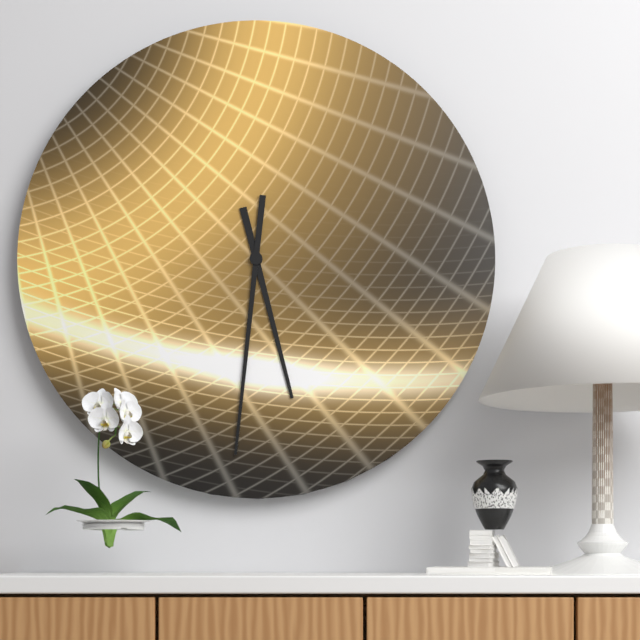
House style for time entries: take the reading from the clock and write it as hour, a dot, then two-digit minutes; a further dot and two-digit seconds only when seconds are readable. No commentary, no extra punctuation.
5.31
